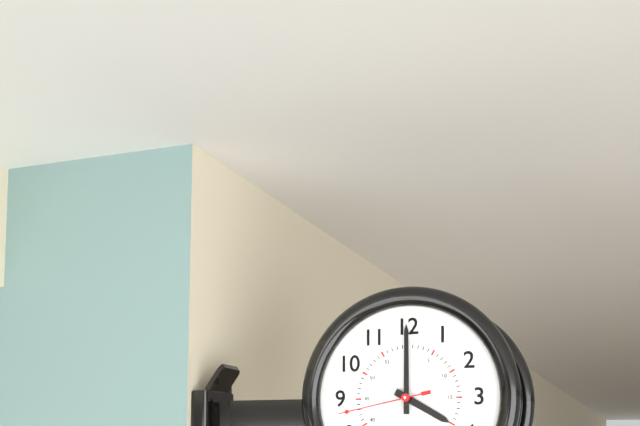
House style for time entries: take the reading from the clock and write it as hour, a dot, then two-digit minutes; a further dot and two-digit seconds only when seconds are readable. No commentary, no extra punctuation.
4.00.43
